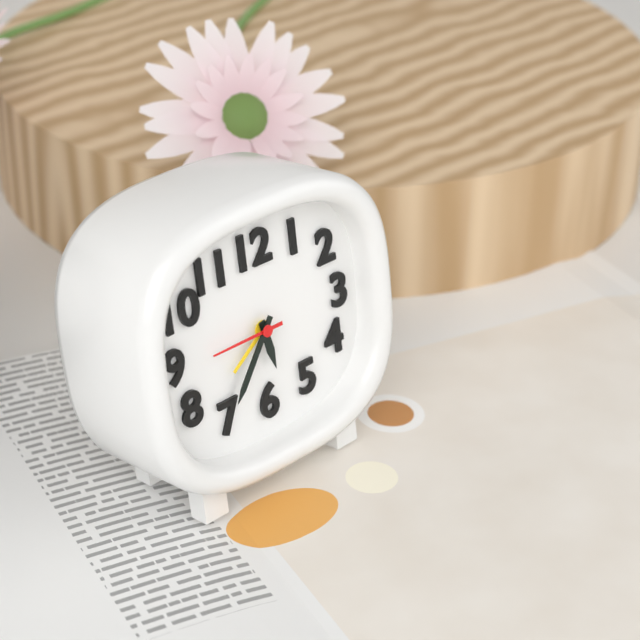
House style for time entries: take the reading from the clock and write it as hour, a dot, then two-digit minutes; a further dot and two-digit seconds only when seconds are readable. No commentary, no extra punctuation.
5.36.45
